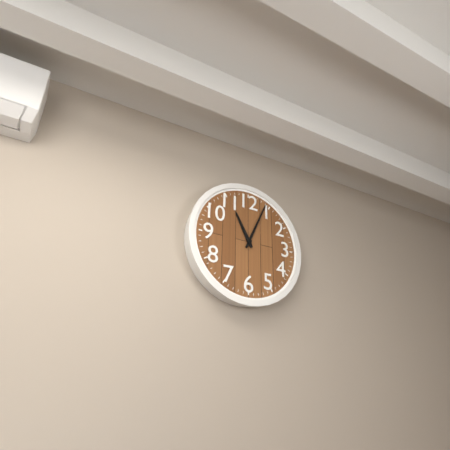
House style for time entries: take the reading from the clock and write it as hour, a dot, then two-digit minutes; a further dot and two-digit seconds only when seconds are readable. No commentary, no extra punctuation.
11.04
